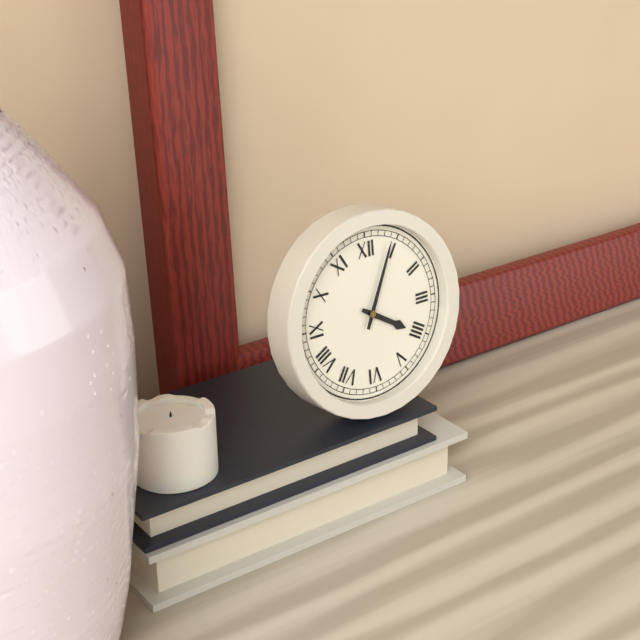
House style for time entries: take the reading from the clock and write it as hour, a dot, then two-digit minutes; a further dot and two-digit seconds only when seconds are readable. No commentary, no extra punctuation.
4.04
